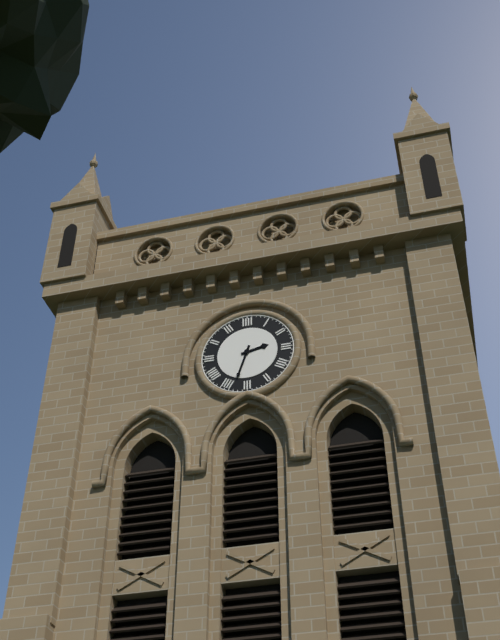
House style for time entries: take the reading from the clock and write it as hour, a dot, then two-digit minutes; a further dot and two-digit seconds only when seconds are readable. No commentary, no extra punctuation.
2.33
